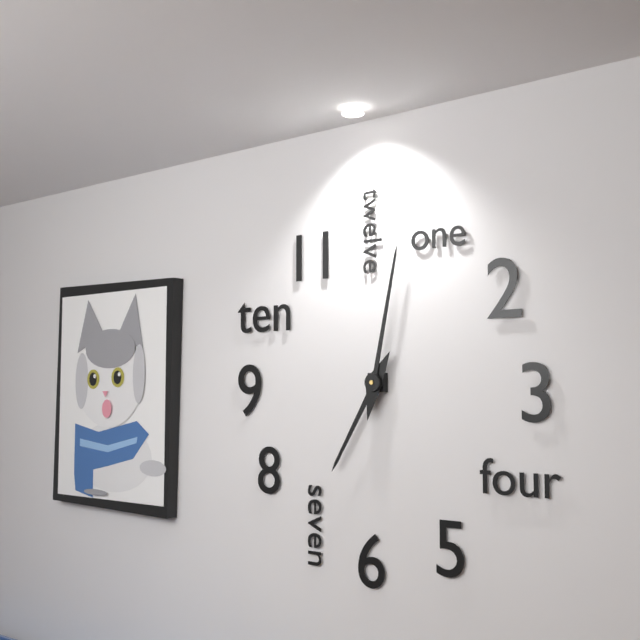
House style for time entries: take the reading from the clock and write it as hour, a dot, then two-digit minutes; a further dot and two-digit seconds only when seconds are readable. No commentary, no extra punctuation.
7.02
